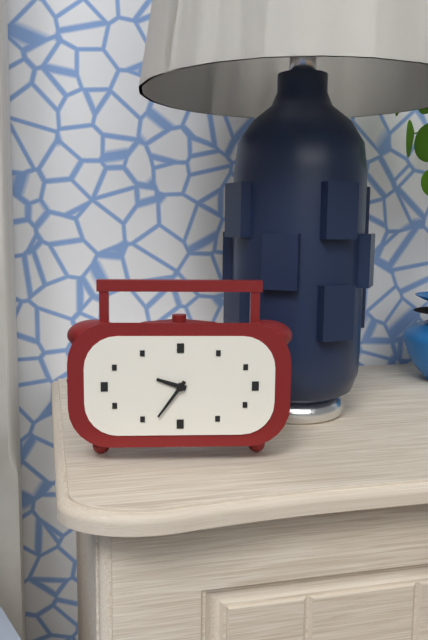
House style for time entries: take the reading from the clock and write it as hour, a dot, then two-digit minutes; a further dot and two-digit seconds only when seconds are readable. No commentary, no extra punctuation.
9.36
